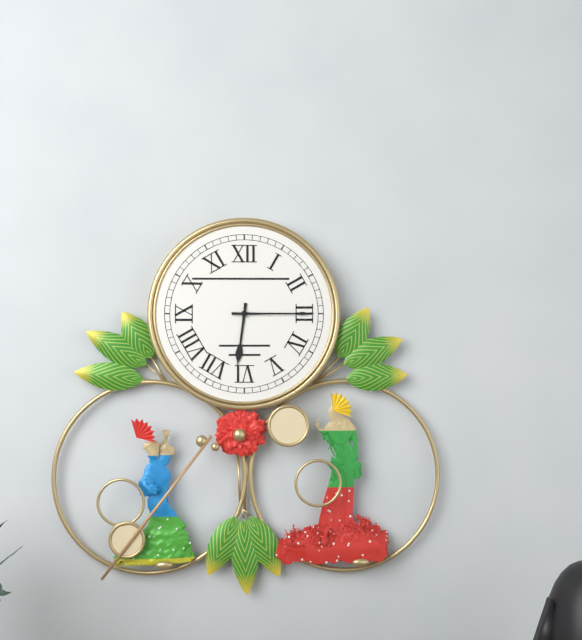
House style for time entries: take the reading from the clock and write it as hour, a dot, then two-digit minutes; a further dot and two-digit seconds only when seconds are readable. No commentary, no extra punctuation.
6.15
